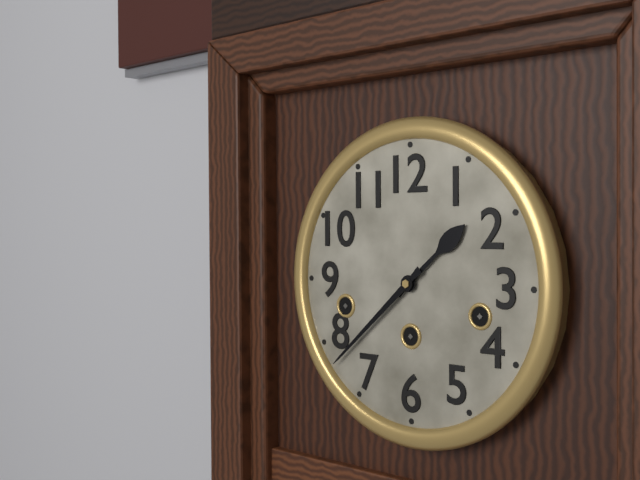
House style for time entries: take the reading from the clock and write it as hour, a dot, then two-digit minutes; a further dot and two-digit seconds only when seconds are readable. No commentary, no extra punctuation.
1.38
